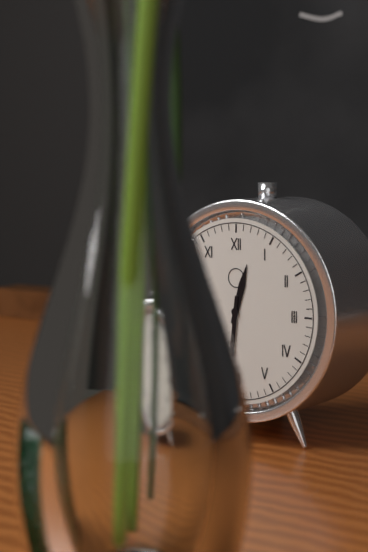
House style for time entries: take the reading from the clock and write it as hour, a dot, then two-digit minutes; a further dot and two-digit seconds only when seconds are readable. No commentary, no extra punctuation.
12.31
